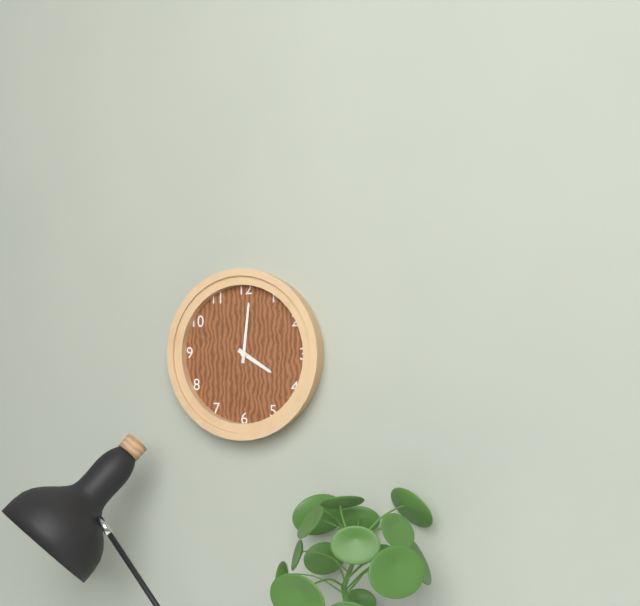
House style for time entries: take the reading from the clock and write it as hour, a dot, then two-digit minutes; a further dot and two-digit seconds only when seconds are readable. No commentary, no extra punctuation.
4.01
